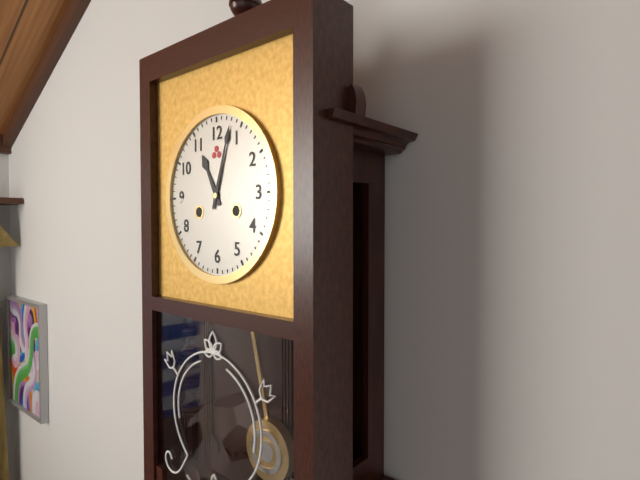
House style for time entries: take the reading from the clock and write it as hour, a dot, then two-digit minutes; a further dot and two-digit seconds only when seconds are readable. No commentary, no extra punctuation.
11.03
